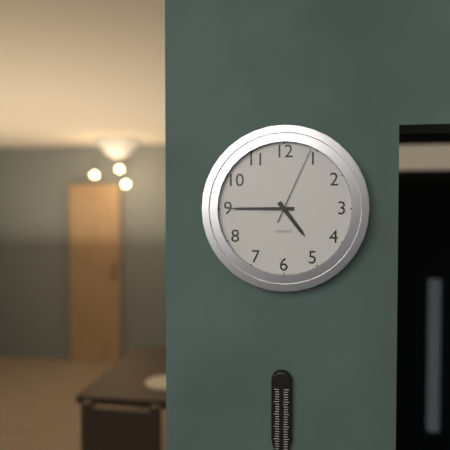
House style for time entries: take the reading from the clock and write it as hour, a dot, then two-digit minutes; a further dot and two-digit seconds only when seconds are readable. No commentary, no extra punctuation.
4.45.04
